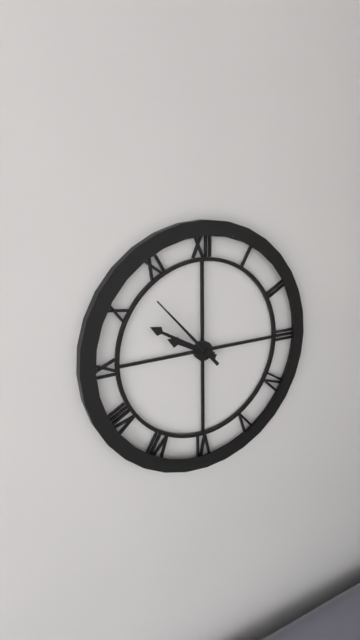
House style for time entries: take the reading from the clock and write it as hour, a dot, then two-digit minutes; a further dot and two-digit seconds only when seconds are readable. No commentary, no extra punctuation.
9.50.53
